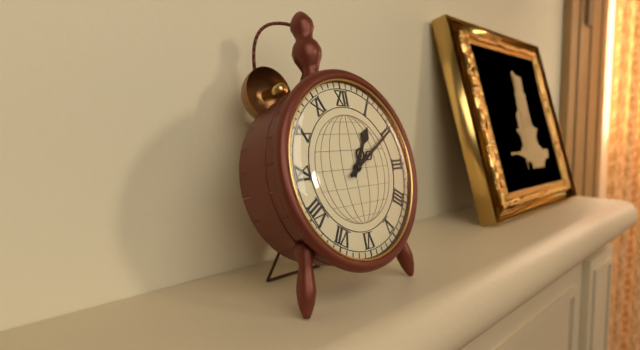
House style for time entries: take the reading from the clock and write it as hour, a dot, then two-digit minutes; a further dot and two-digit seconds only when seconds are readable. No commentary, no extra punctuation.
1.10
